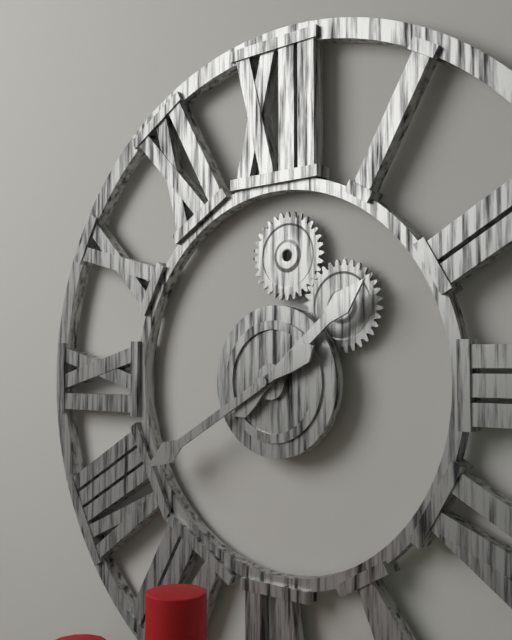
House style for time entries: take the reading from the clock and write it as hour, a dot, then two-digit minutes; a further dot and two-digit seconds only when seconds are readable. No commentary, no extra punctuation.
1.40
